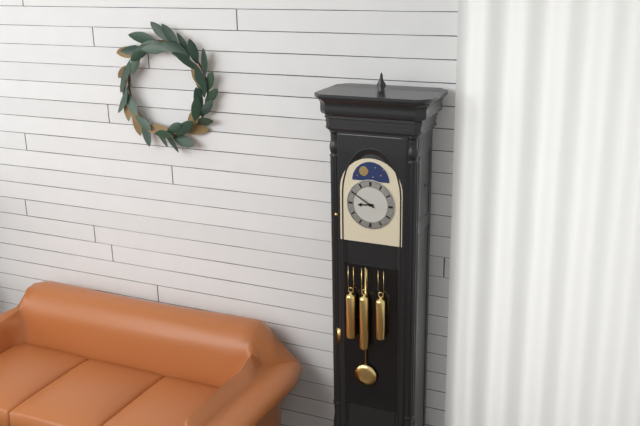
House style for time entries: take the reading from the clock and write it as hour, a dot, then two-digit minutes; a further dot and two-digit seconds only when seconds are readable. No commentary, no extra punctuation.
8.50
